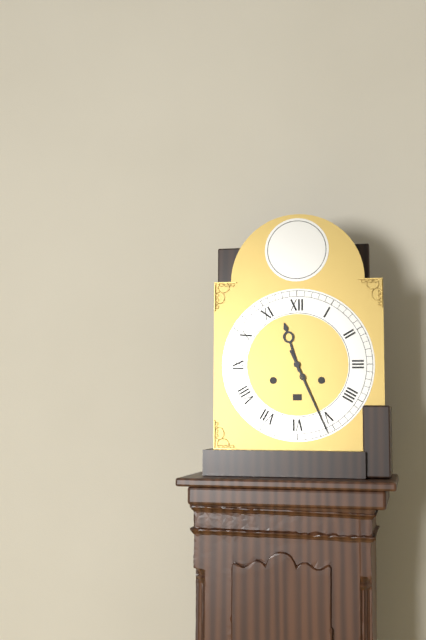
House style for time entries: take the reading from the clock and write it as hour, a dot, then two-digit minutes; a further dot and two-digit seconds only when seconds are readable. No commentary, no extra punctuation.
11.26
